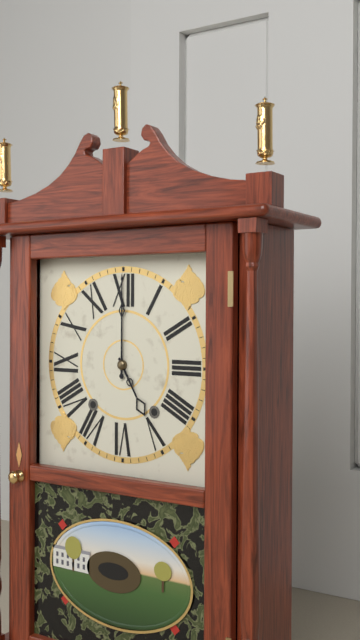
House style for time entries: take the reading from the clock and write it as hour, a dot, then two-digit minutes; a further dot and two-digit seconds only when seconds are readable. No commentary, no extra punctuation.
5.00
